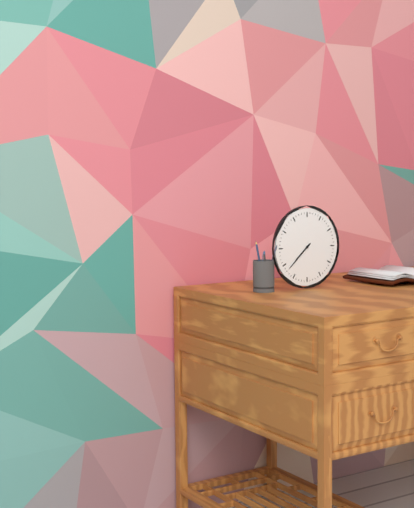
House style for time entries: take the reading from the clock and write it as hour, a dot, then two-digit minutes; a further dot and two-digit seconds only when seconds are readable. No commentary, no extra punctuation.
7.38
